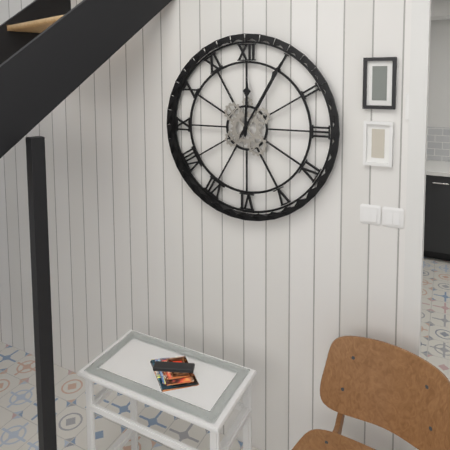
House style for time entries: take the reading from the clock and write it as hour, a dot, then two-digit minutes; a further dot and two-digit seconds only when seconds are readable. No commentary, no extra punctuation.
12.05
